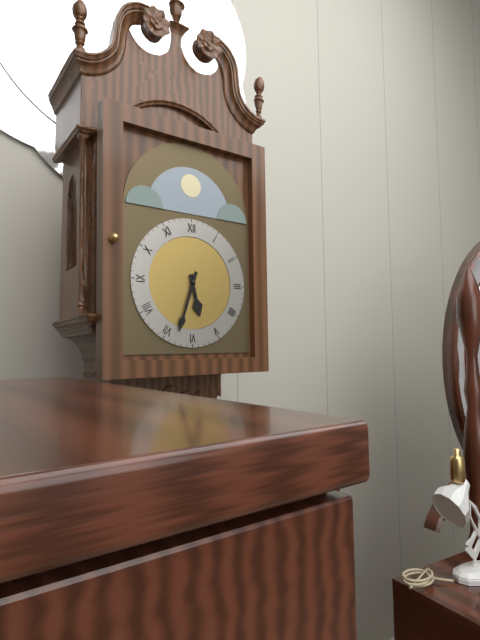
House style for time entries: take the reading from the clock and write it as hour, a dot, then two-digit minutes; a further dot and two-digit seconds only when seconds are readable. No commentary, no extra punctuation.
5.33
